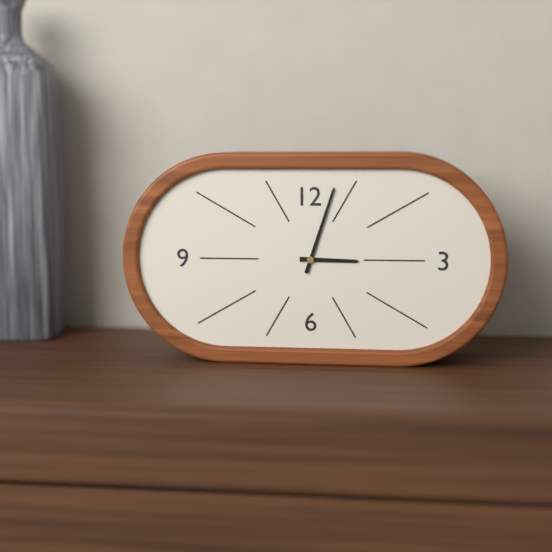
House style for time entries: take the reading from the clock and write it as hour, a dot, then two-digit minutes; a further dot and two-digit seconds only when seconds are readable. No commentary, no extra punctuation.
3.03
